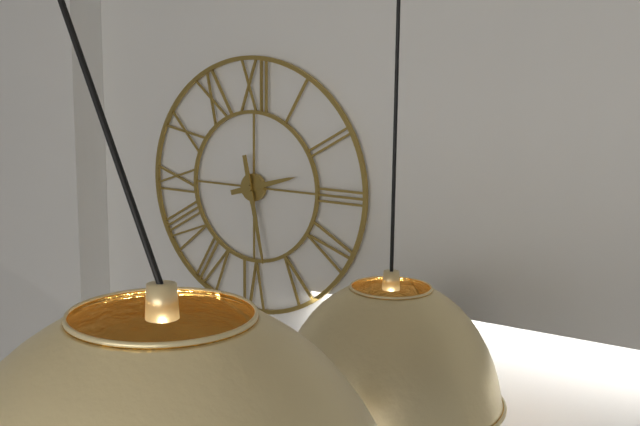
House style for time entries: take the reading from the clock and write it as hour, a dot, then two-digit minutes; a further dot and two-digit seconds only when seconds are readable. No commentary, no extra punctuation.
2.28
